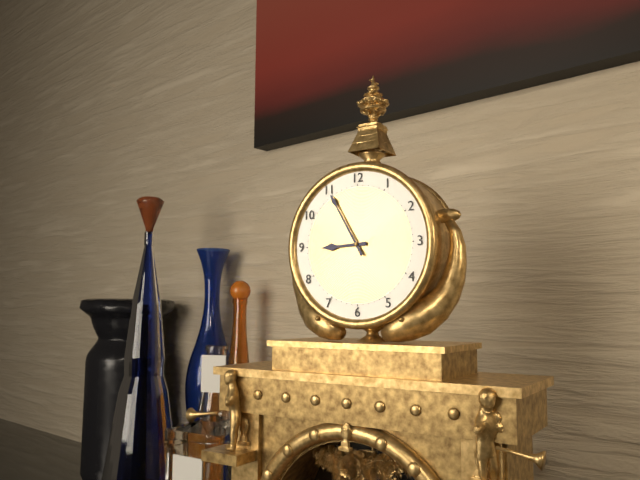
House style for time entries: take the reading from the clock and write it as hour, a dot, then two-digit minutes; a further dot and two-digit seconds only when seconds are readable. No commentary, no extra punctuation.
8.55
